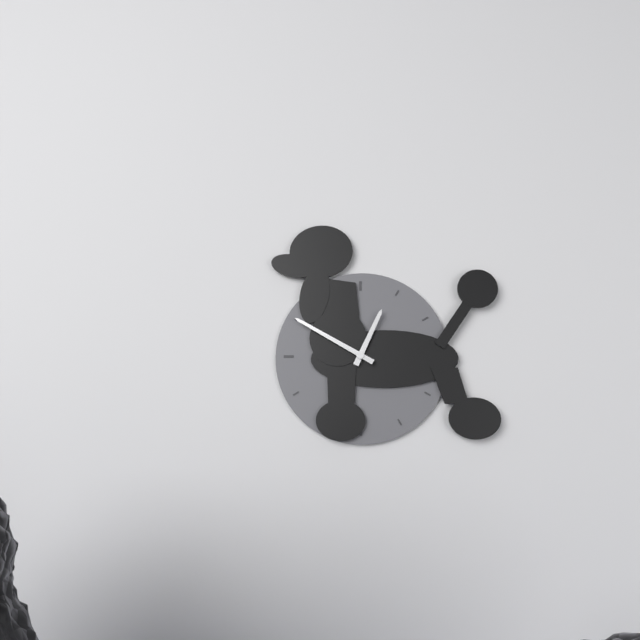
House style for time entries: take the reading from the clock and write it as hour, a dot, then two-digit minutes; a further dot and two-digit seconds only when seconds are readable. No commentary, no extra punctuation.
12.50
